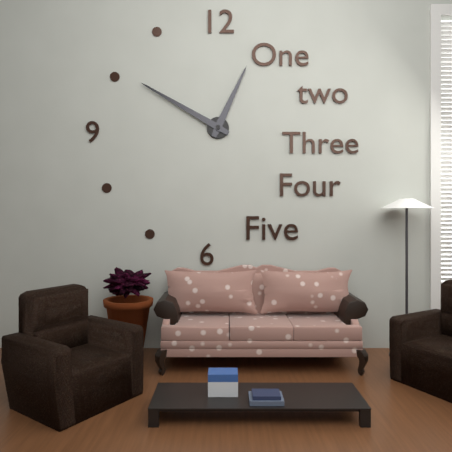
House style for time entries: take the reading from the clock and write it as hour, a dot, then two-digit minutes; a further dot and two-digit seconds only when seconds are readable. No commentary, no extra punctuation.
12.50
